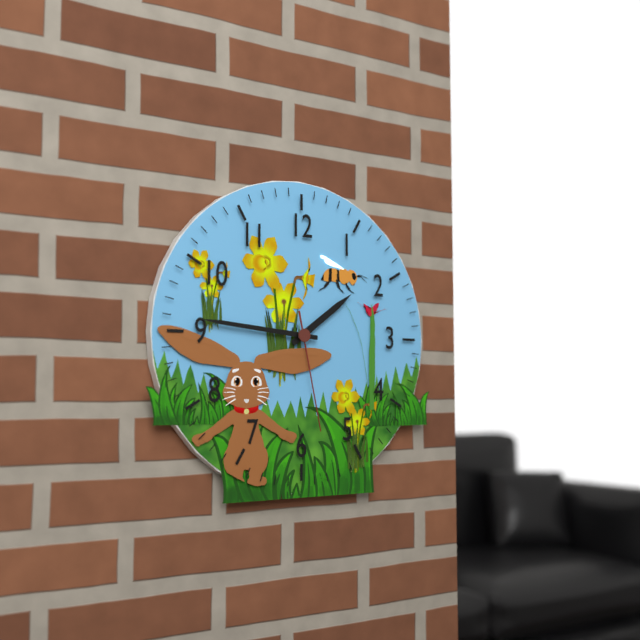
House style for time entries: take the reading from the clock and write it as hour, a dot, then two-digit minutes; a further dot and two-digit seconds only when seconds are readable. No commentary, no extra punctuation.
1.46.28
